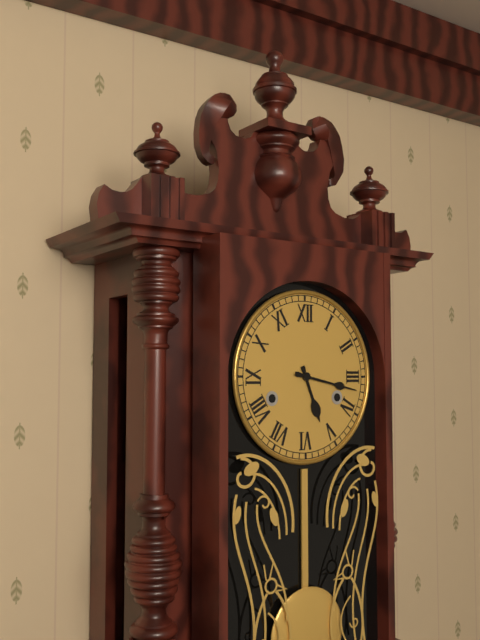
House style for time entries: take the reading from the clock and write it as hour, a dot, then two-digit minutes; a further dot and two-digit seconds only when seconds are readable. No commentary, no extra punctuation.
5.17
